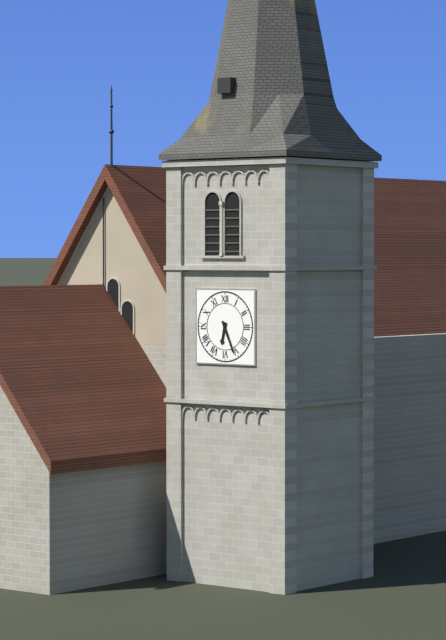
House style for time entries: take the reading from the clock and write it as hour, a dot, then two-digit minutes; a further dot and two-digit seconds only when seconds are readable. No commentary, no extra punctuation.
6.26
